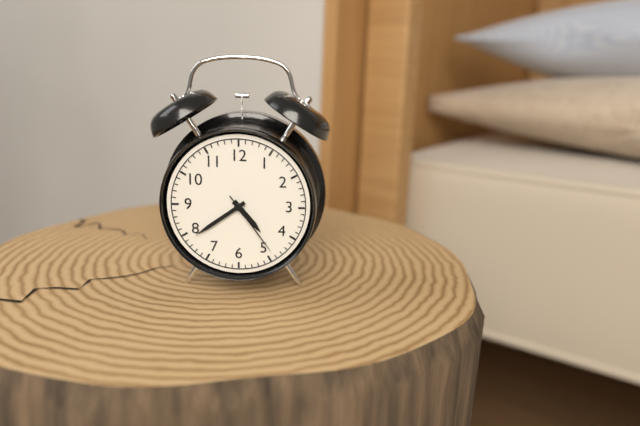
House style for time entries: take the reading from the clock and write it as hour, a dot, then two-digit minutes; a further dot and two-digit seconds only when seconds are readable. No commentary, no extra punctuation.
4.39.24
